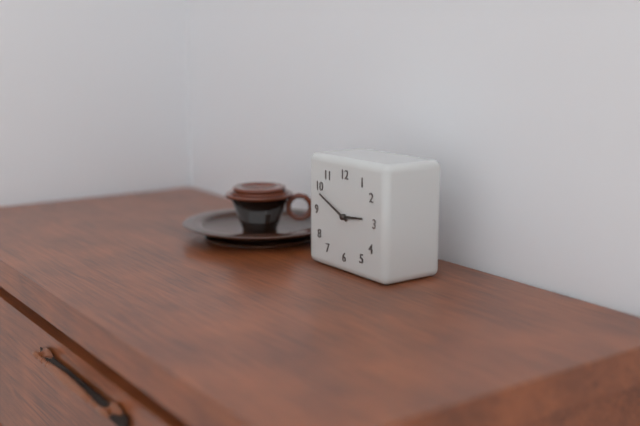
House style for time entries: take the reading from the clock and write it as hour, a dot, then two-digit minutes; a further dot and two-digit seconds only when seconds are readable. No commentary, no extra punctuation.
2.49
